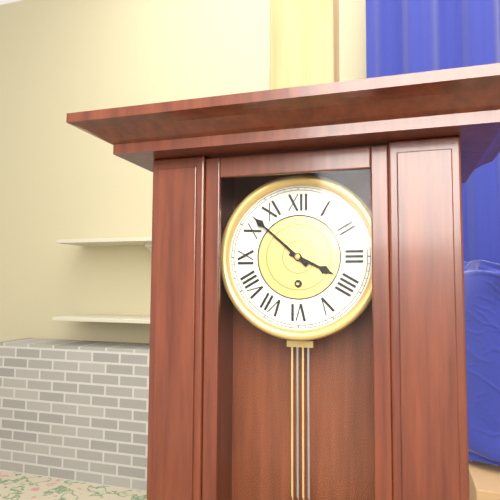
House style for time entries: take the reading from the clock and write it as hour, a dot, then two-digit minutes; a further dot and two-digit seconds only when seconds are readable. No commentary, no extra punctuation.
3.52
